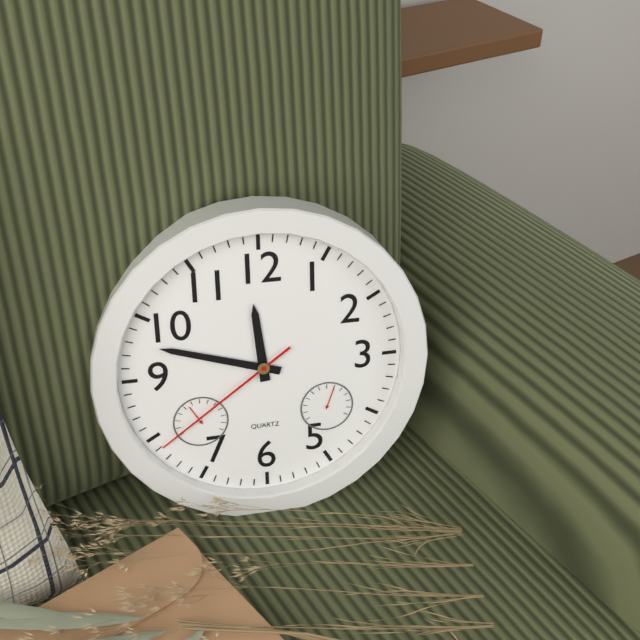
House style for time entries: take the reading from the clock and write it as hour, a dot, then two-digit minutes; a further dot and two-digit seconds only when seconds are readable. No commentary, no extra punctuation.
11.48.39
